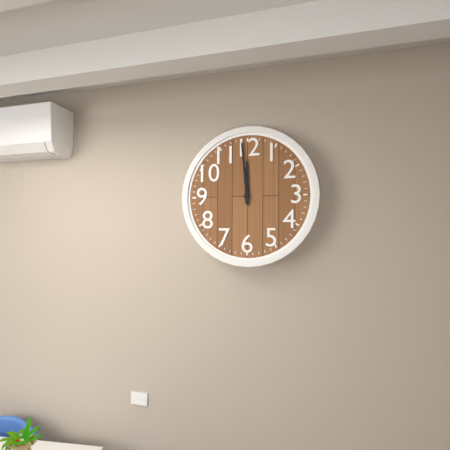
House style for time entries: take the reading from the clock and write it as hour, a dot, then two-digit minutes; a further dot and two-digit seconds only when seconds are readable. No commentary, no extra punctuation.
11.59
